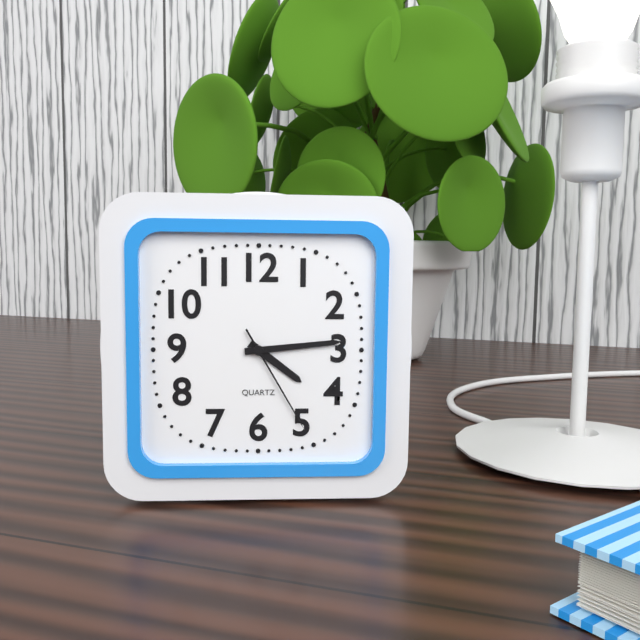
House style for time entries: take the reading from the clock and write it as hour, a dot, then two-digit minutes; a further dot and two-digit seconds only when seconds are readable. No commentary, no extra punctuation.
4.14.25
